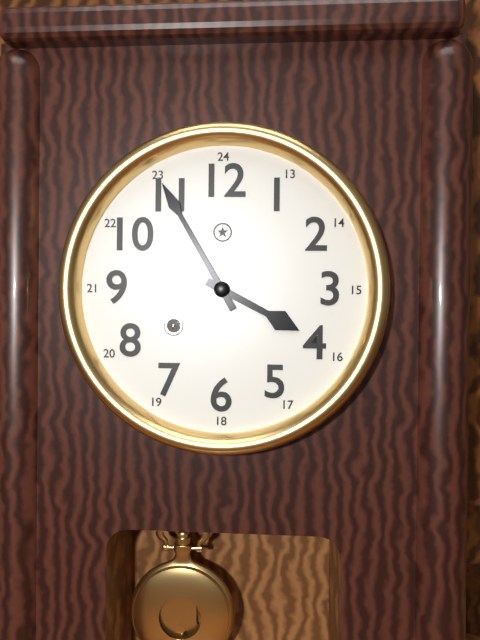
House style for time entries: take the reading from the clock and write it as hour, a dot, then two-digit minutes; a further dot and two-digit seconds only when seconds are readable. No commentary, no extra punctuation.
3.55
